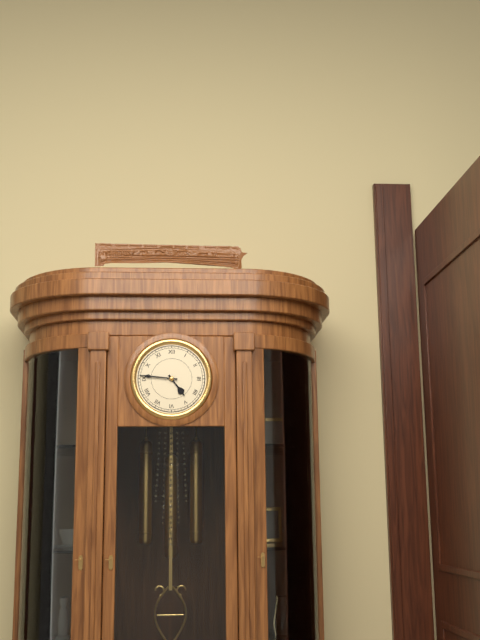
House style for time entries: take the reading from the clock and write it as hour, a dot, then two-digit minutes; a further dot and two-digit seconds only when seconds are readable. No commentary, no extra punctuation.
4.46
